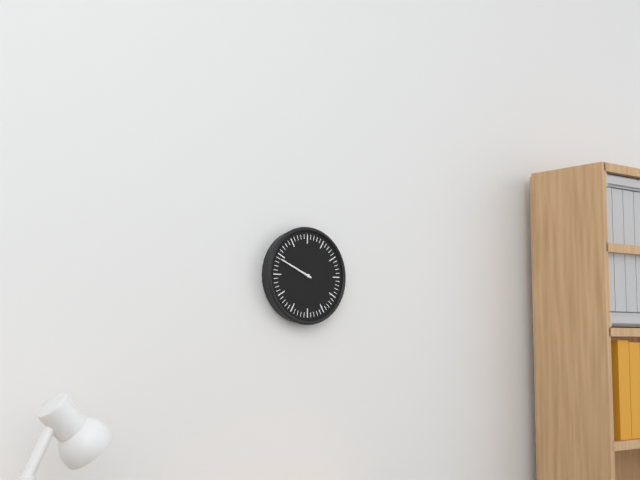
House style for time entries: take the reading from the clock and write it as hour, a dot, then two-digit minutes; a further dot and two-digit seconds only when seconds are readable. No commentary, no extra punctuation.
9.49
